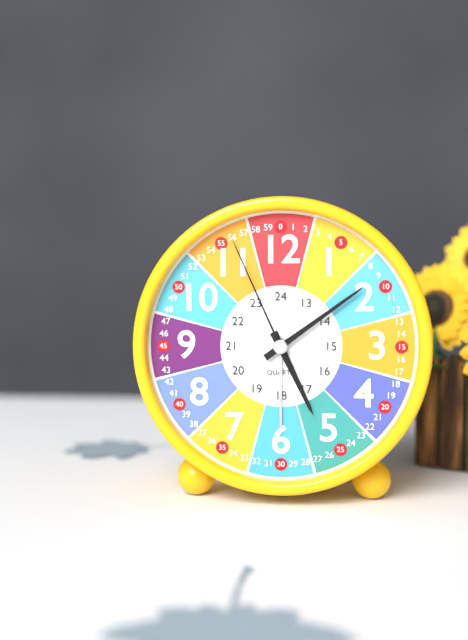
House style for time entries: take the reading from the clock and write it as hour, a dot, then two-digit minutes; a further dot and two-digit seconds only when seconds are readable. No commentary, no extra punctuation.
5.09.56
